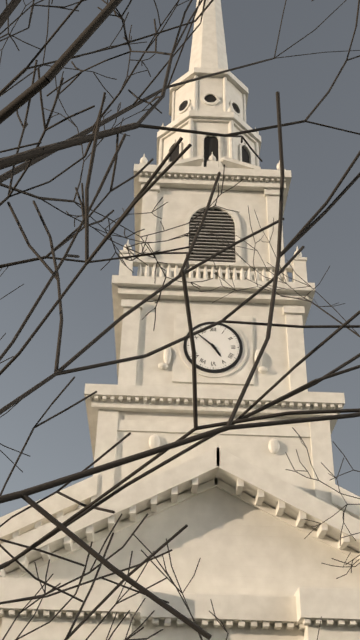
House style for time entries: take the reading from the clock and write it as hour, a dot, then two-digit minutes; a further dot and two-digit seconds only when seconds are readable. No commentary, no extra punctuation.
4.52
